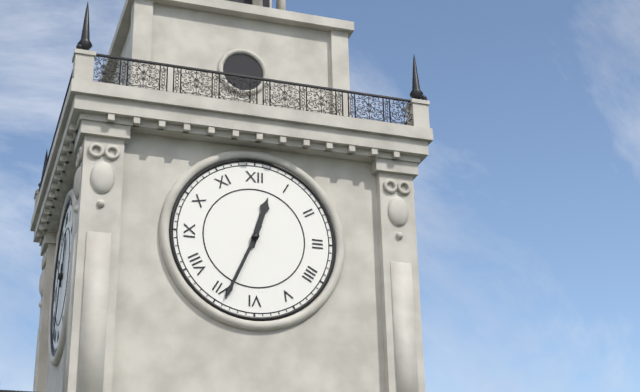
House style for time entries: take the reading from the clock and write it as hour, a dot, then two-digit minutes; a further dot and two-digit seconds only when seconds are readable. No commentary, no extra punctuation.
12.34
